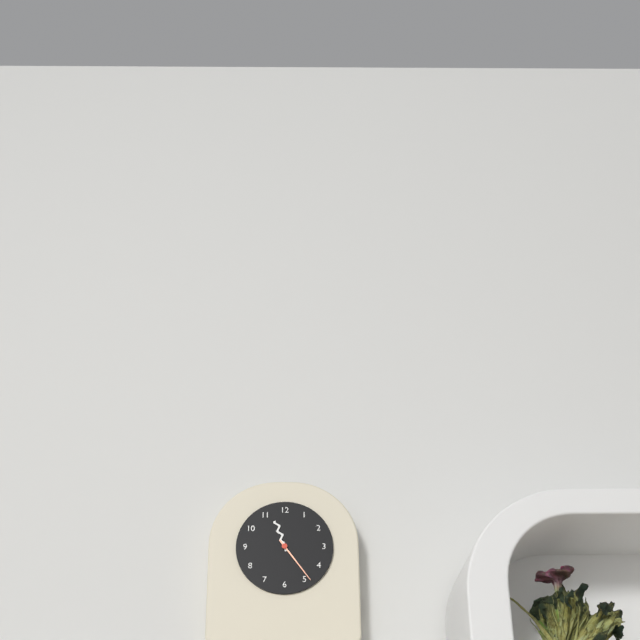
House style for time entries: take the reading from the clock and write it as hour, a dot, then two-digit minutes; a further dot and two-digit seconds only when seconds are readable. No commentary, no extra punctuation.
11.24
